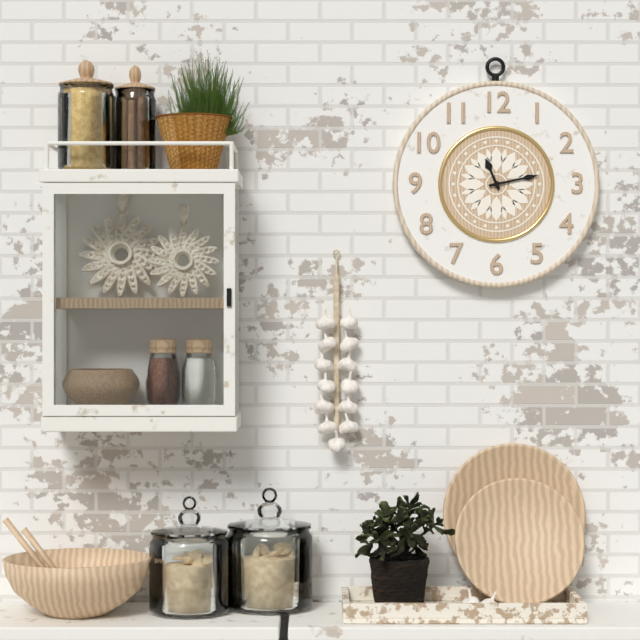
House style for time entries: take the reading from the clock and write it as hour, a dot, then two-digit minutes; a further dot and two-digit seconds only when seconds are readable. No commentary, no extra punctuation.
11.13
